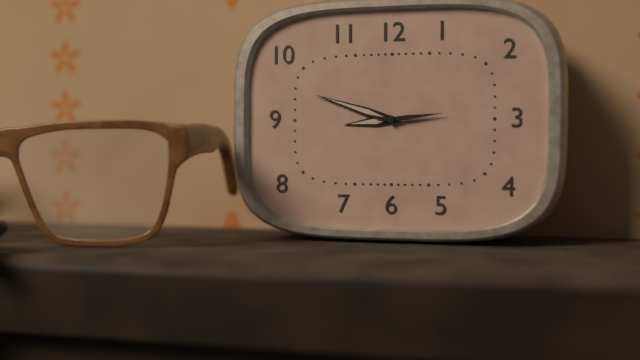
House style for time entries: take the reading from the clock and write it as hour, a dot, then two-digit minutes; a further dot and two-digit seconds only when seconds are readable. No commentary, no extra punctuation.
8.48.14
